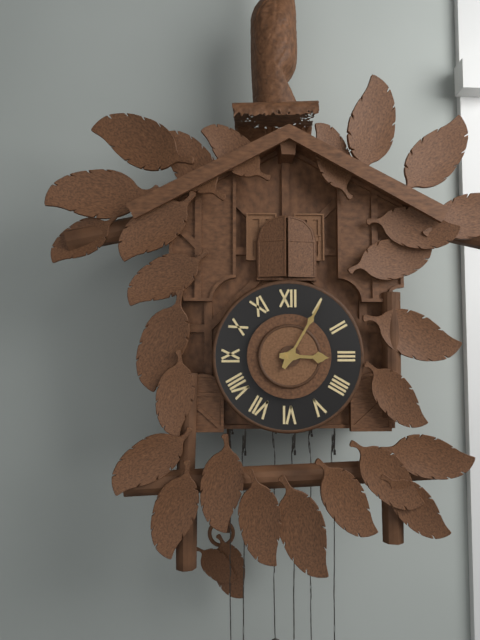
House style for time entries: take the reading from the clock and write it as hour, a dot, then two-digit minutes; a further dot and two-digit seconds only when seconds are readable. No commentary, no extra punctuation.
3.05
